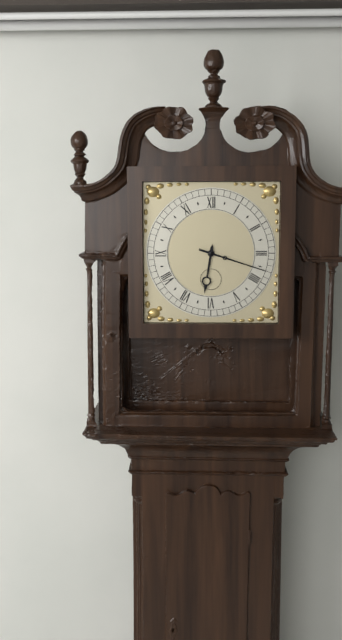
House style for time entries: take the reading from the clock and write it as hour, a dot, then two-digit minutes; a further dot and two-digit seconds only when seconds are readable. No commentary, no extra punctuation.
6.18
